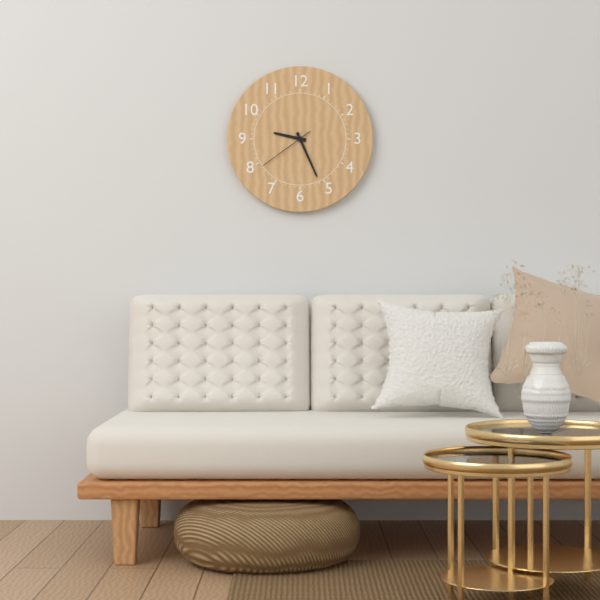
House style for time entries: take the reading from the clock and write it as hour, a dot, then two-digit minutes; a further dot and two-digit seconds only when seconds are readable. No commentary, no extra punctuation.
9.26.39
